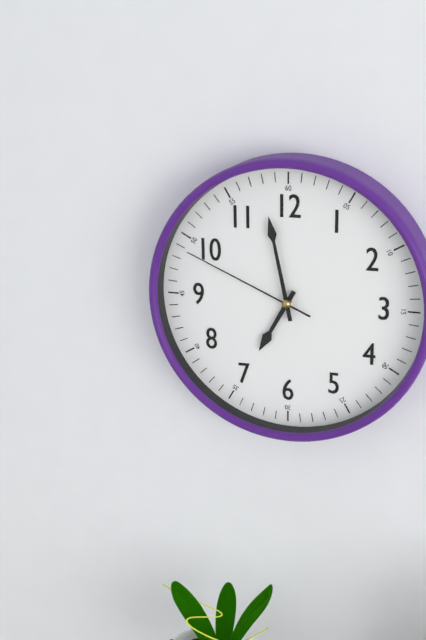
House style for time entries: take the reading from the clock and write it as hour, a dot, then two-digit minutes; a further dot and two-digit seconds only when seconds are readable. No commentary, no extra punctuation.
6.58.49
